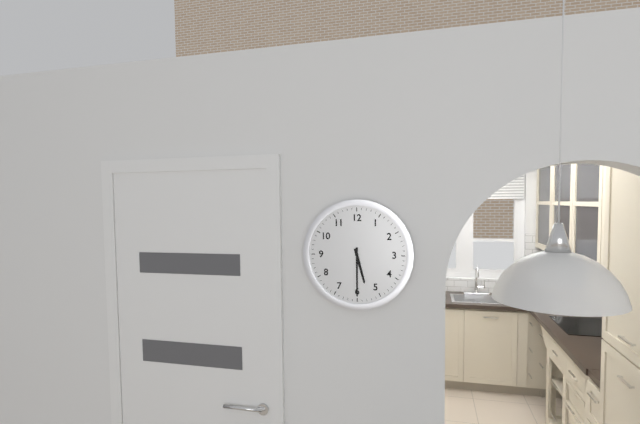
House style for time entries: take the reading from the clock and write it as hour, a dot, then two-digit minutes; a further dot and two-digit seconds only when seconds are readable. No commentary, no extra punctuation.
5.30
